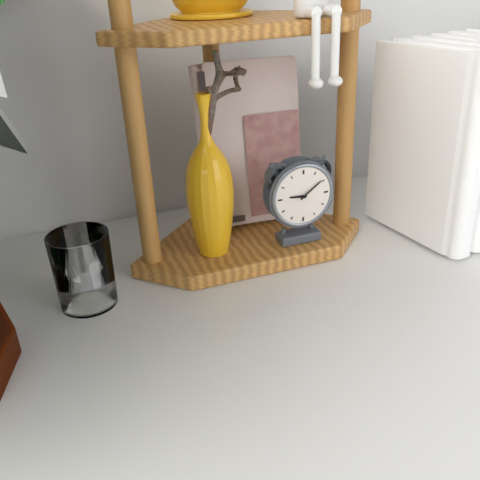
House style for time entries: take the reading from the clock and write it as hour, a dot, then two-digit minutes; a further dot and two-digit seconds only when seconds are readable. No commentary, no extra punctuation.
9.09
